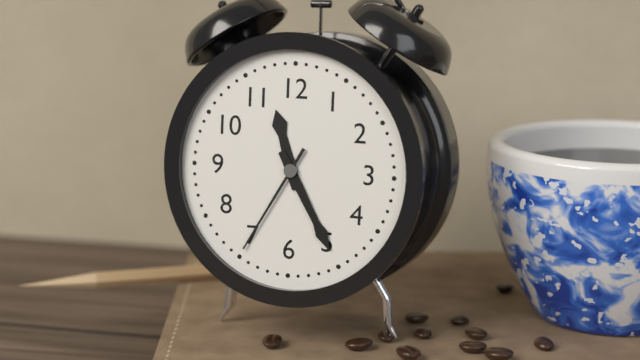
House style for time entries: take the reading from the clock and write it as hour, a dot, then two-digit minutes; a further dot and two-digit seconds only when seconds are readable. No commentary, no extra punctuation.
11.25.35
